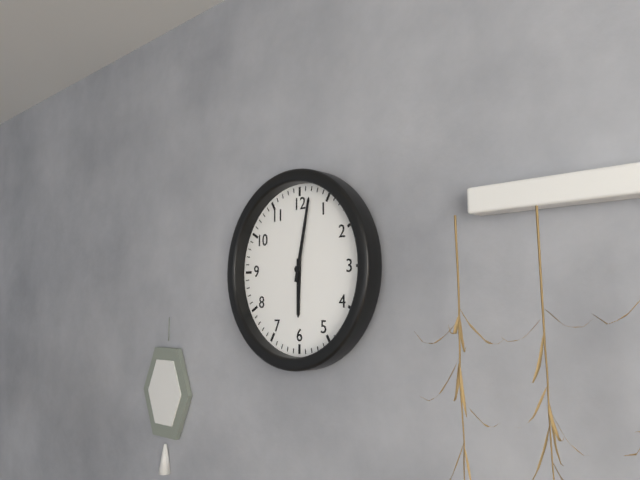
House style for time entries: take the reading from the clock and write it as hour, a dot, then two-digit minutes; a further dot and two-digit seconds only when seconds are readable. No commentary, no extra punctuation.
6.02
